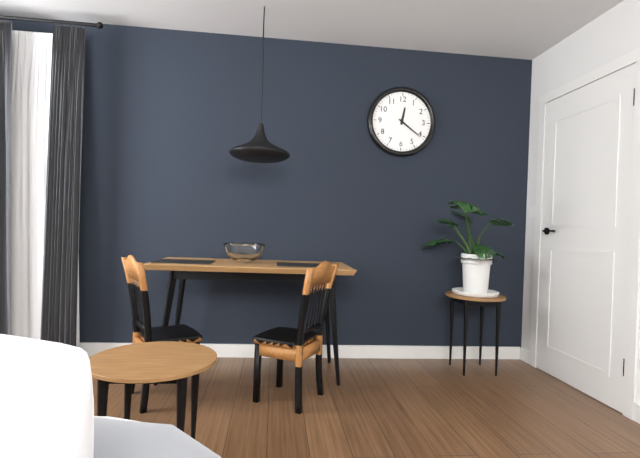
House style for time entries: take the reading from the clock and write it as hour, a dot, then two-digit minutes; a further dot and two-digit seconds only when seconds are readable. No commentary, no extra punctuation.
12.21
